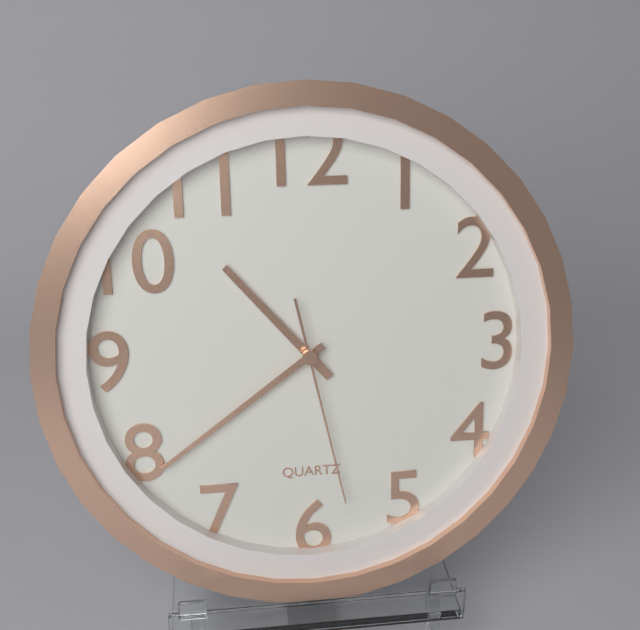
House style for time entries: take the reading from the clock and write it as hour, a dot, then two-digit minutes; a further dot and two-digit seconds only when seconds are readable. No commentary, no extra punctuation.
10.39.28
